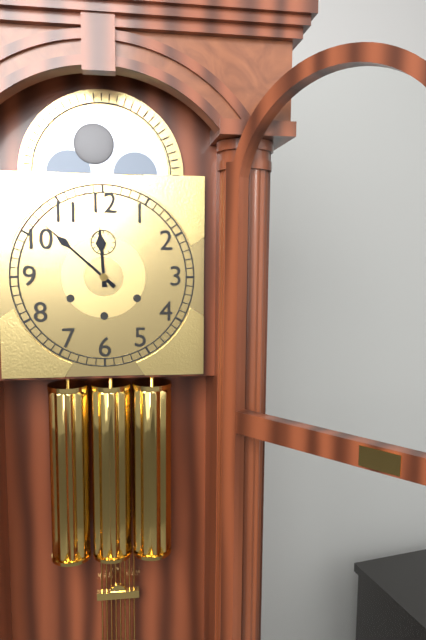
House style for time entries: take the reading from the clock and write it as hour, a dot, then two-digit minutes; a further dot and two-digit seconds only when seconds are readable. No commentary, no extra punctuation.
11.52
